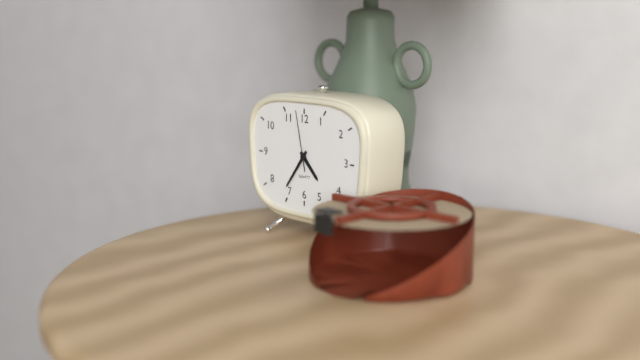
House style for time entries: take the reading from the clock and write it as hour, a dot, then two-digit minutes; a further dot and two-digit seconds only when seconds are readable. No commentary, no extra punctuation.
4.36.58
